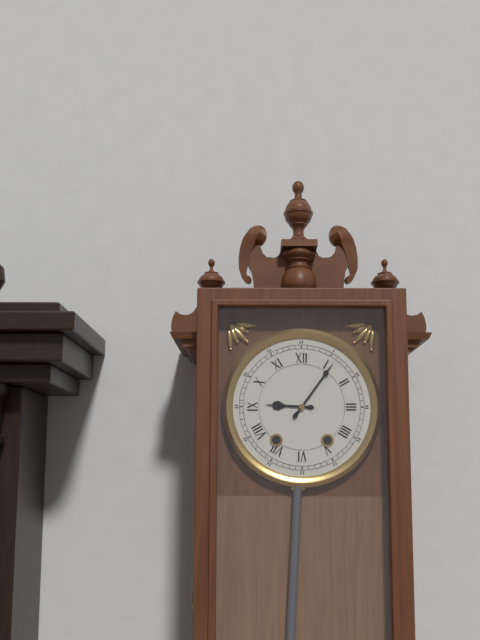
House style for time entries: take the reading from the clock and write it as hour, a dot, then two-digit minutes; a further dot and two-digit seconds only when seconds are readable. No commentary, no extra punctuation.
9.06
